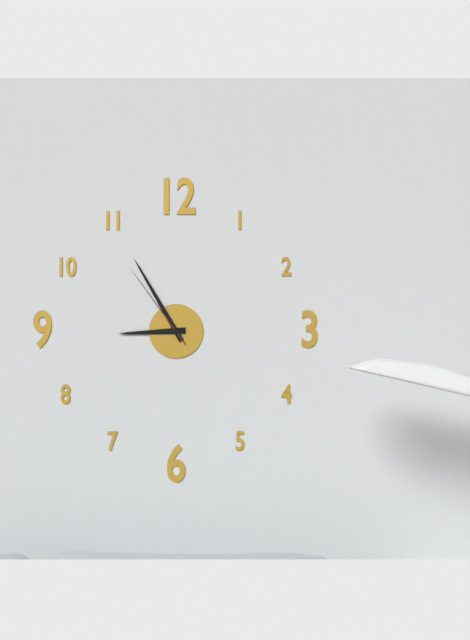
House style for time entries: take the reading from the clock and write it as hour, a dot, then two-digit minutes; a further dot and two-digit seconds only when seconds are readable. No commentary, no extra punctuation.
8.55.54
